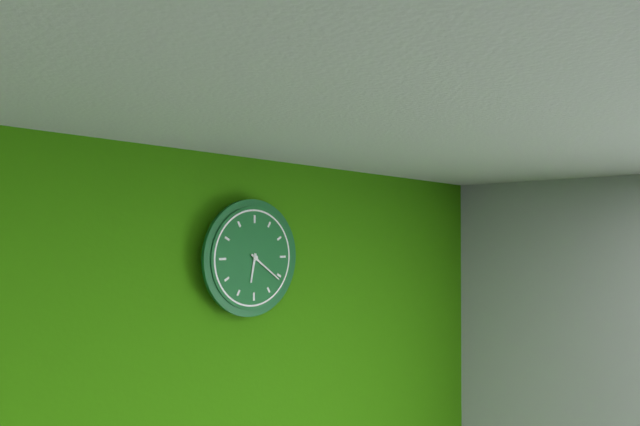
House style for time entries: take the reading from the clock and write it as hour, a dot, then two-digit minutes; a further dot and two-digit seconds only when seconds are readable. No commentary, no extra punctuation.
6.21
